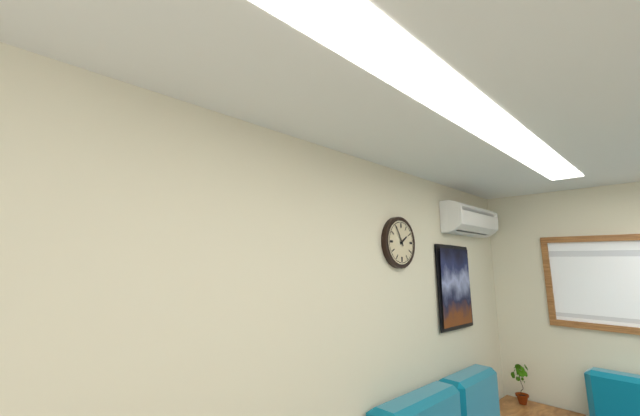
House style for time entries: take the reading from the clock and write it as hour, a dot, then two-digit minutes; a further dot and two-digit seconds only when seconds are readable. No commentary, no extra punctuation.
1.55
